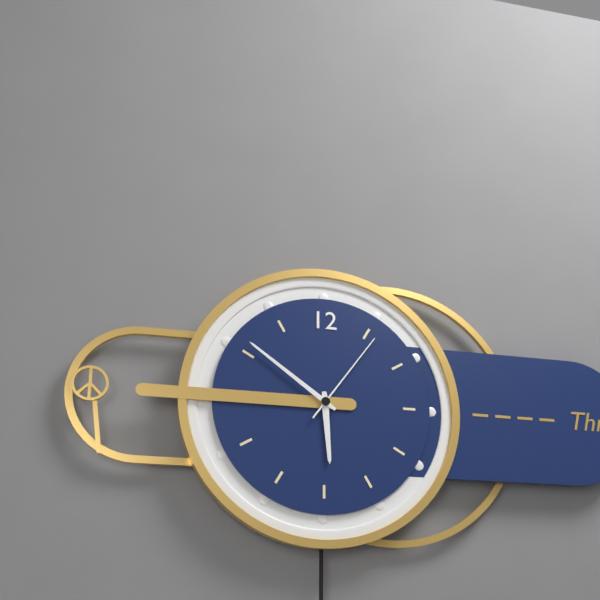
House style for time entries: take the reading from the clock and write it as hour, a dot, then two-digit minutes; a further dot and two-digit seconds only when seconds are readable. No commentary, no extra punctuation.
5.51.06
